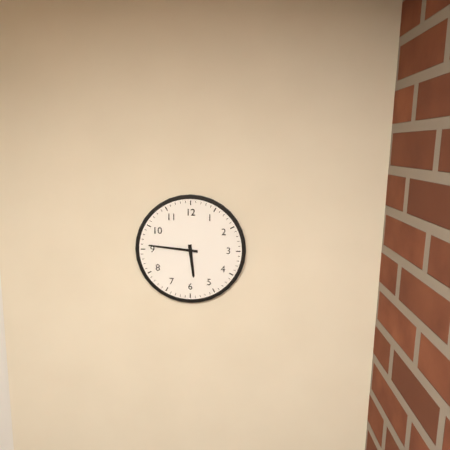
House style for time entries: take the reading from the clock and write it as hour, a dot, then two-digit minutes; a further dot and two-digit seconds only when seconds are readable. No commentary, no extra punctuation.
5.46
